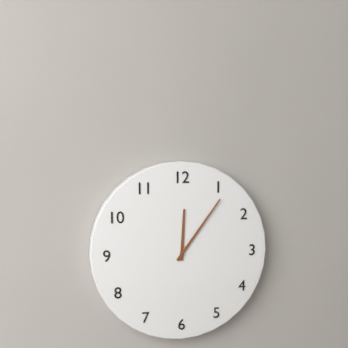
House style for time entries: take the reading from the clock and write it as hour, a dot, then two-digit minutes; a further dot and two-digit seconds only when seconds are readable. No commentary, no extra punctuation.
12.06
